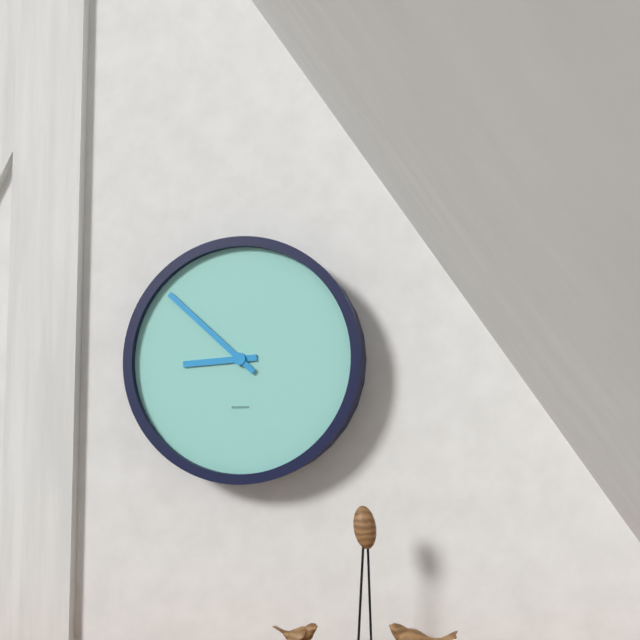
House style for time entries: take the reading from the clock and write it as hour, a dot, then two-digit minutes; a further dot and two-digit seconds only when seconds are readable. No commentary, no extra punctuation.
8.52
